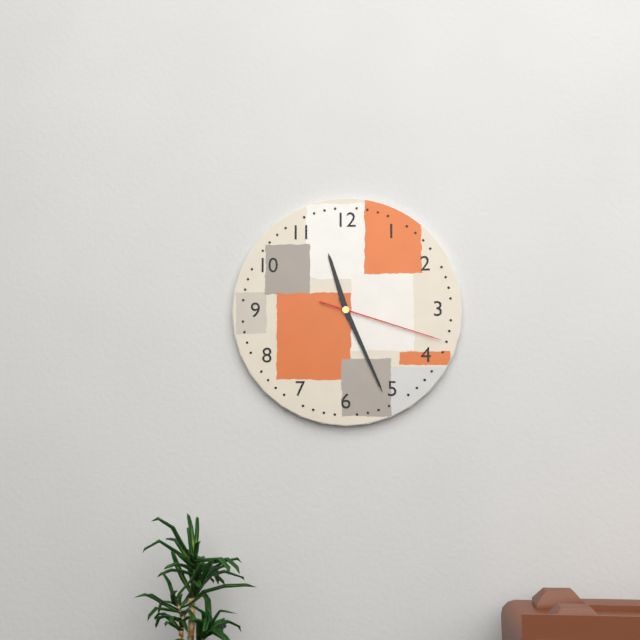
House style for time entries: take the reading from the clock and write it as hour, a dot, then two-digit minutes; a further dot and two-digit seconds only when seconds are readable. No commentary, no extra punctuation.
11.26.18
